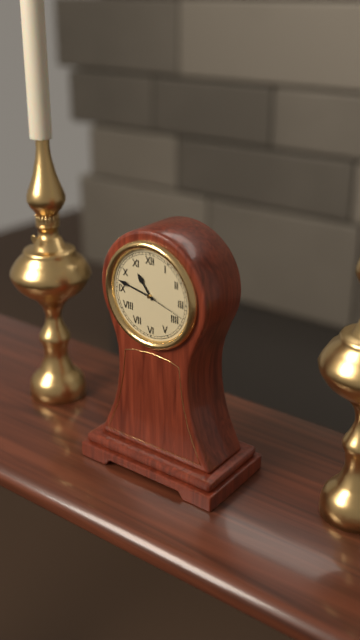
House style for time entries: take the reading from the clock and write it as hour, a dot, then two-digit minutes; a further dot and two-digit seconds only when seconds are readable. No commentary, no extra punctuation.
10.47
